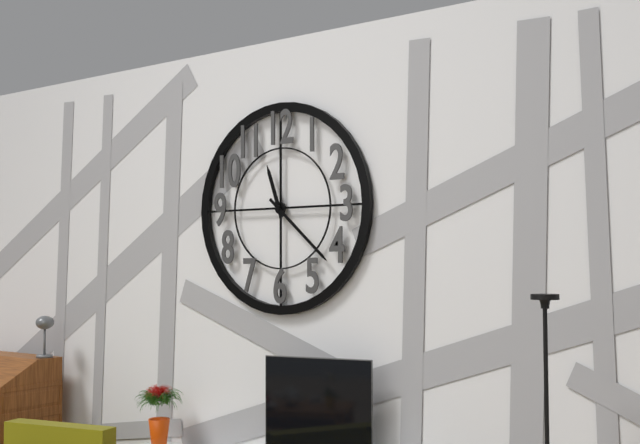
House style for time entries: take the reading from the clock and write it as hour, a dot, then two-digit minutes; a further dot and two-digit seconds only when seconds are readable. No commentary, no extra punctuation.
11.22
